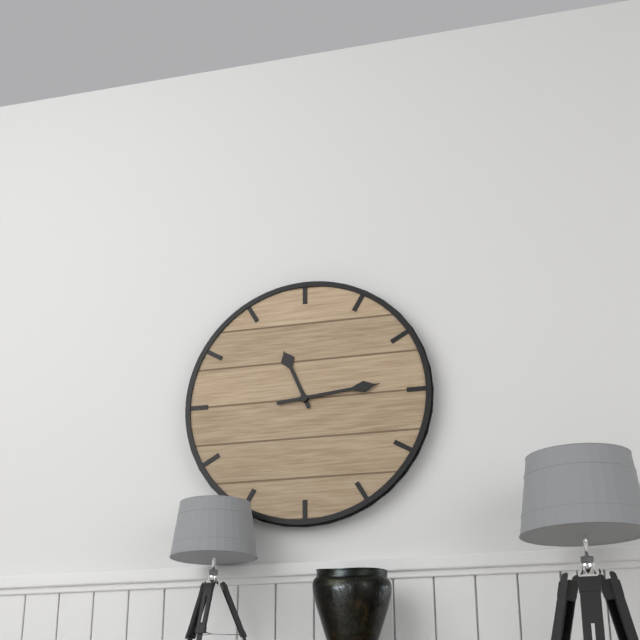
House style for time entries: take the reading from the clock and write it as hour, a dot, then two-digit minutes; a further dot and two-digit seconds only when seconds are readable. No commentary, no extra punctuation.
11.14
